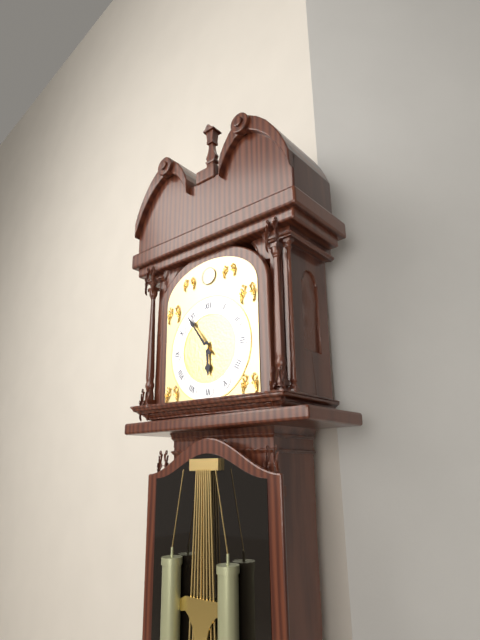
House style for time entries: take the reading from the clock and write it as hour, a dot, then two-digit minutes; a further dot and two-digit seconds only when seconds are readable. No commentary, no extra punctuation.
5.54
